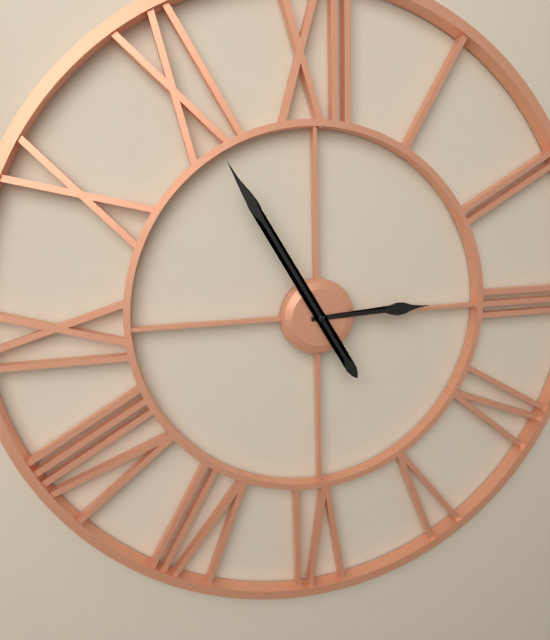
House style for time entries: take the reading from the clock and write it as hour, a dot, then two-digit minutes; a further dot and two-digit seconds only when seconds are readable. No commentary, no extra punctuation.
2.55
